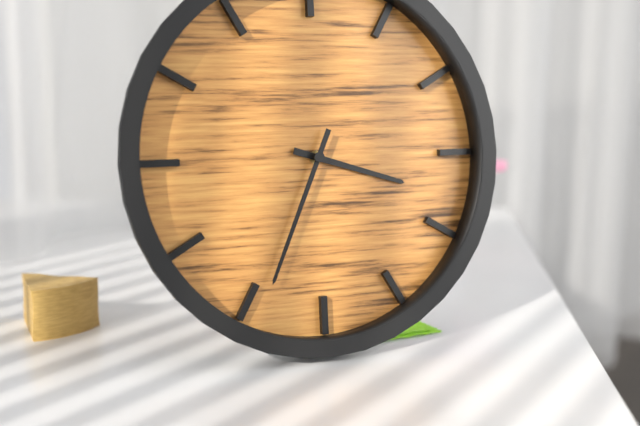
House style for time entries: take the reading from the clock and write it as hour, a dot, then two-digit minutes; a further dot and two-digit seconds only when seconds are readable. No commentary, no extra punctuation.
3.34
